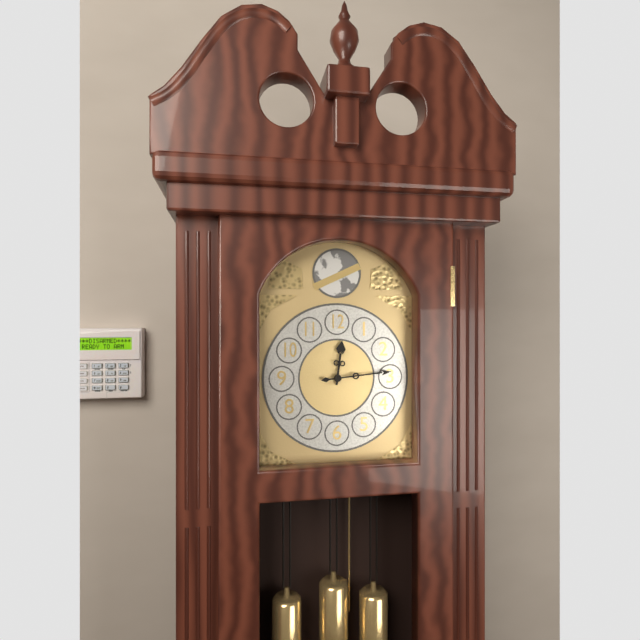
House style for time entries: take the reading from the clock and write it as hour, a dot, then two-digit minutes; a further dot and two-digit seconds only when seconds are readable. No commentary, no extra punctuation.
12.14
